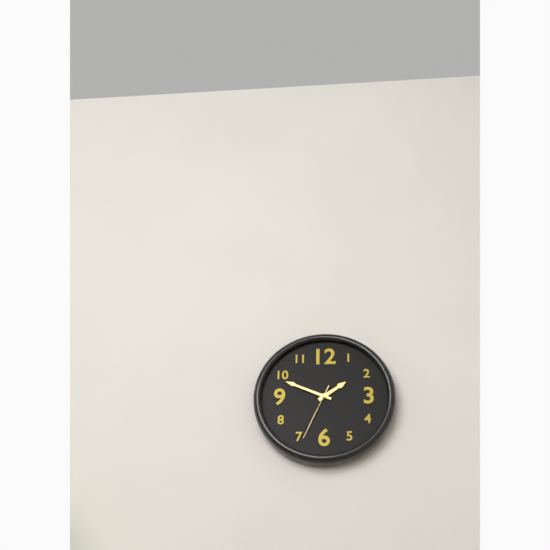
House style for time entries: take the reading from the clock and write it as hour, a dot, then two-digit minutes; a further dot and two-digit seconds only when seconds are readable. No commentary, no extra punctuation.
1.49.34
